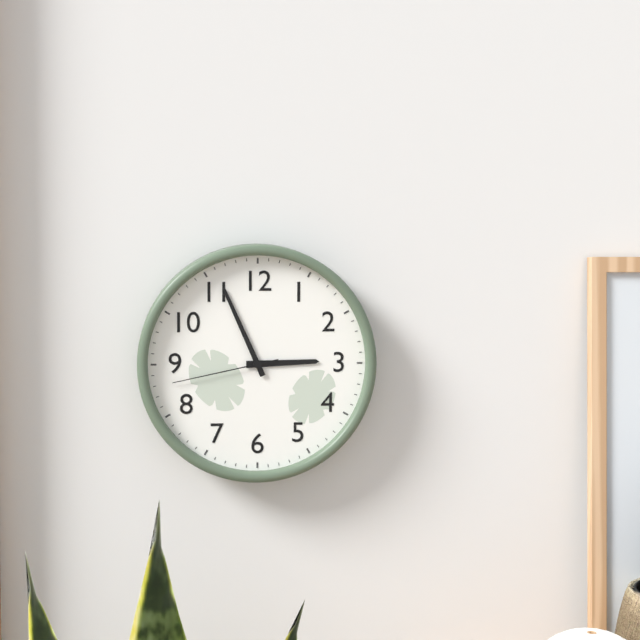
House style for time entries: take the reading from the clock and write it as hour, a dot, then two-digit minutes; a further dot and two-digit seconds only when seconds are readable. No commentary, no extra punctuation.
2.56.43
